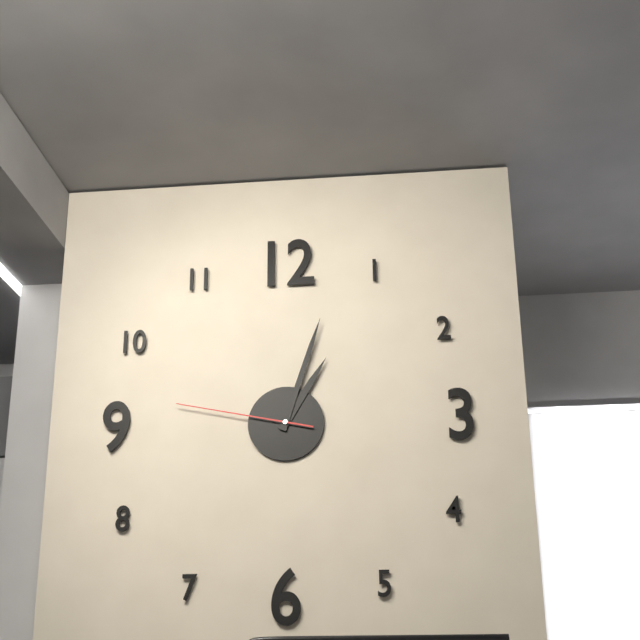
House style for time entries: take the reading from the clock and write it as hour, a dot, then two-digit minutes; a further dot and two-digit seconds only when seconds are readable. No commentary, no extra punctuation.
1.03.47
